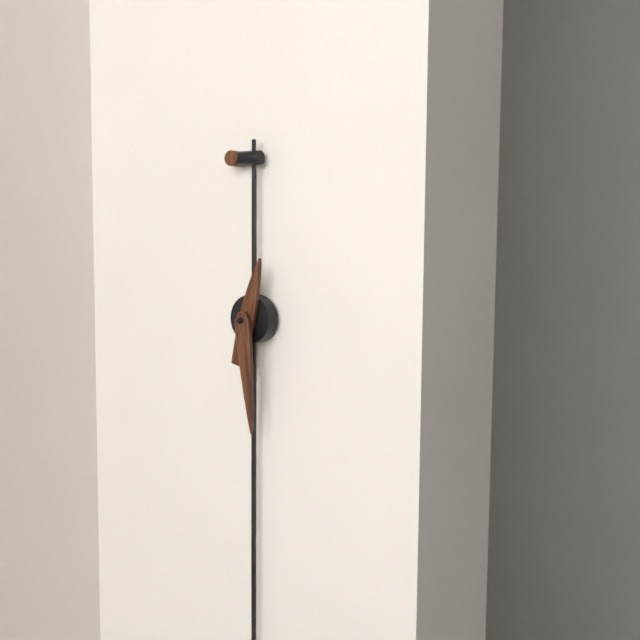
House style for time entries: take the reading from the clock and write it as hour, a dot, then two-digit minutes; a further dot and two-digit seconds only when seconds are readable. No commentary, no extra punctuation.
12.29
